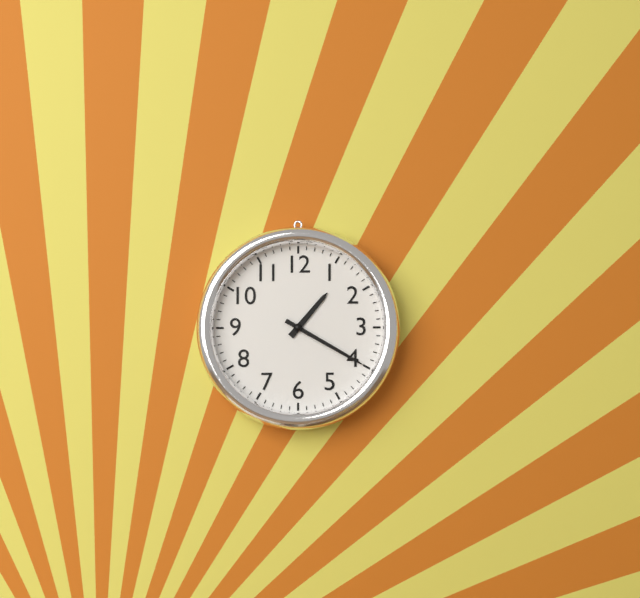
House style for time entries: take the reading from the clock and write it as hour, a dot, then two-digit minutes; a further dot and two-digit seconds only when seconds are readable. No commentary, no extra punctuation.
1.20
